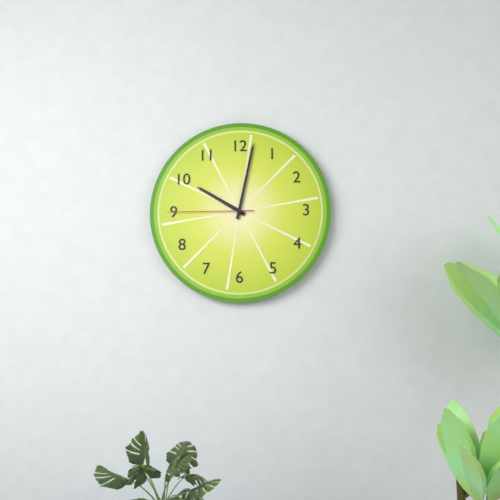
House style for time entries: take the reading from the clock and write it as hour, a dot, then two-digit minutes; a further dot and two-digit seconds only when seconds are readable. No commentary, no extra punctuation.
10.02.45
